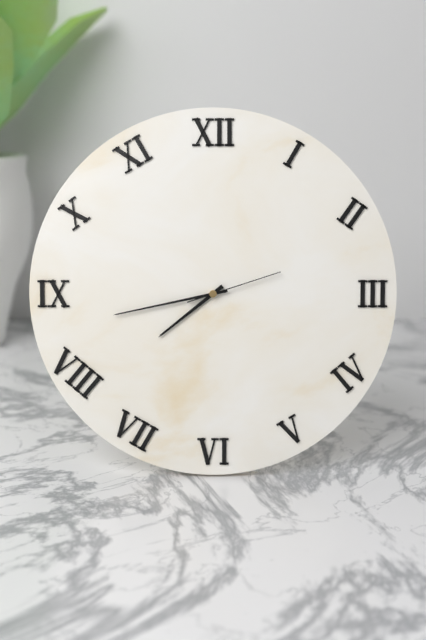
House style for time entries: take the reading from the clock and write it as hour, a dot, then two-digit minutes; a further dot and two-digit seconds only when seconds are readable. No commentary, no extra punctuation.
7.43.12
